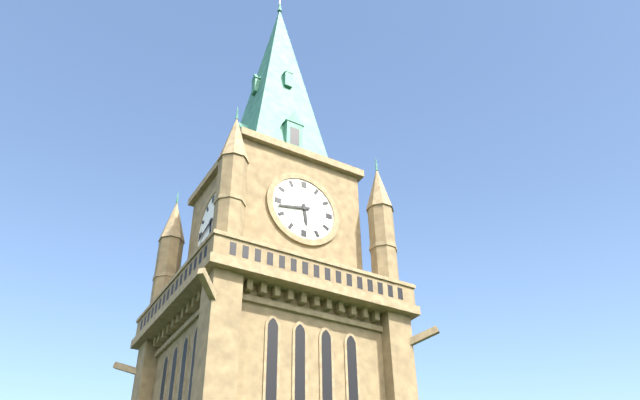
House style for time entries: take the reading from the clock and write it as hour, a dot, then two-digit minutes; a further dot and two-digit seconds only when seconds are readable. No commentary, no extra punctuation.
5.43
